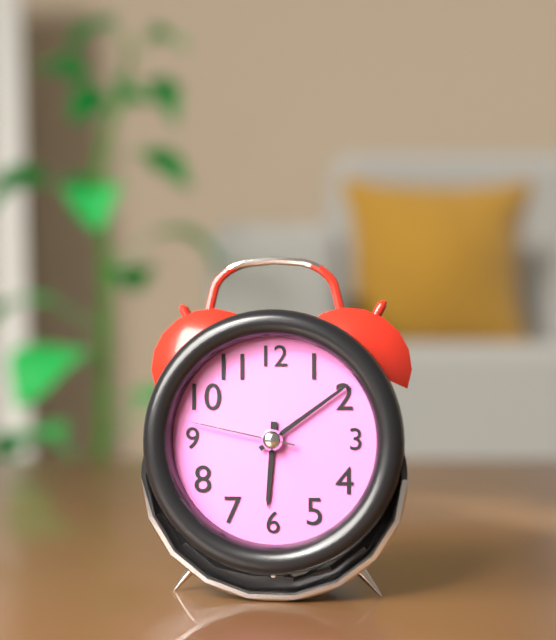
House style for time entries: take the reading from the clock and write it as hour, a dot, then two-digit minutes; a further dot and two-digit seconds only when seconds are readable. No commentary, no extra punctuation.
6.09.47
